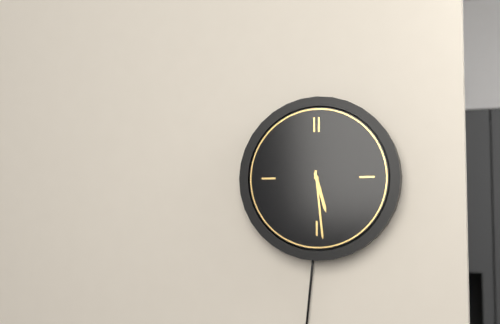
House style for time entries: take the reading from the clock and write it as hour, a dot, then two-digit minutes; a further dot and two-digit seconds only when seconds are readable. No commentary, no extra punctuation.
5.29
